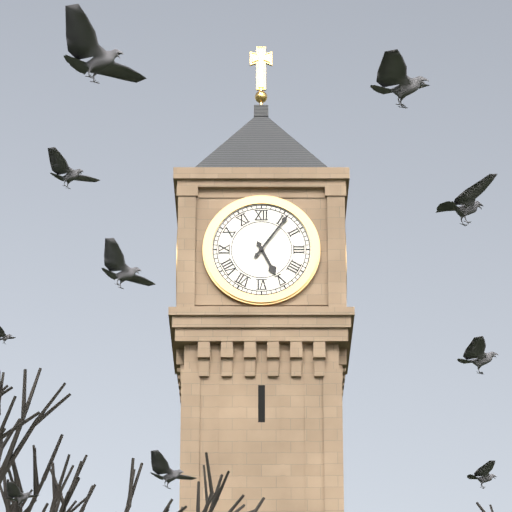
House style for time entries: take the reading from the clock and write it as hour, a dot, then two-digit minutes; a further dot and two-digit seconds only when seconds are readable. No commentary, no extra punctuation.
5.06
